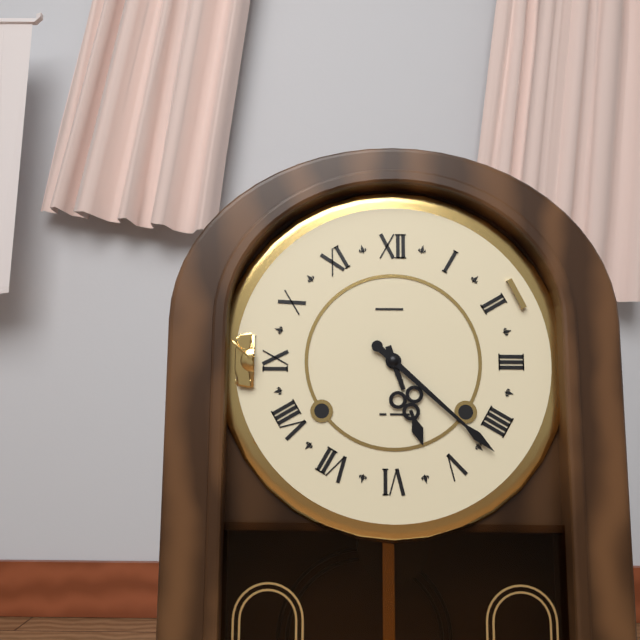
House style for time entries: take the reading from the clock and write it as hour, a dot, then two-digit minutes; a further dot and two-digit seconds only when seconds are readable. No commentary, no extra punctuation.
5.22
